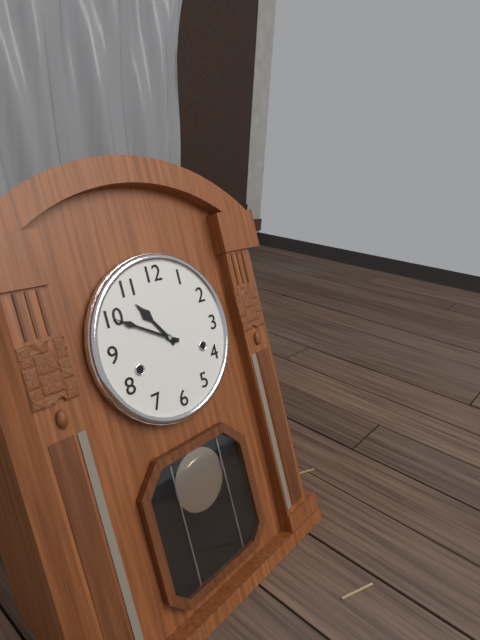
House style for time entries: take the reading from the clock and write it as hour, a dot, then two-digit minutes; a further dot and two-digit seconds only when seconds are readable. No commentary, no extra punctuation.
10.50
